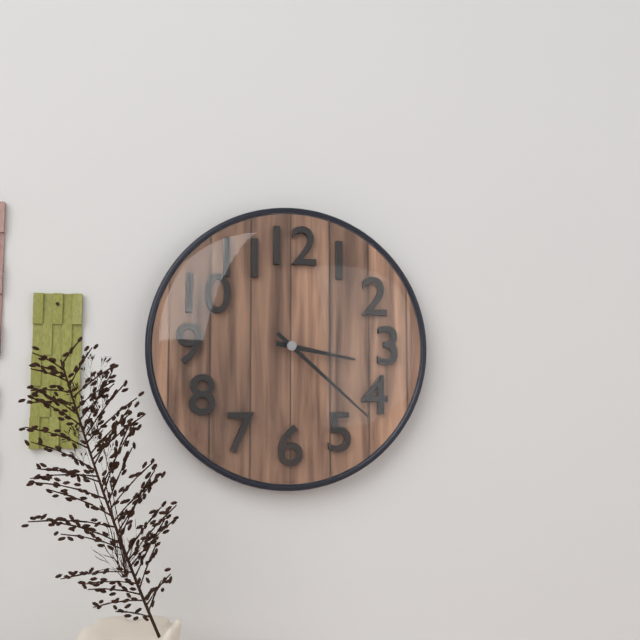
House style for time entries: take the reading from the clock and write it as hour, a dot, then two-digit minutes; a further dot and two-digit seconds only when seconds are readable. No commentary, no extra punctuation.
3.22
